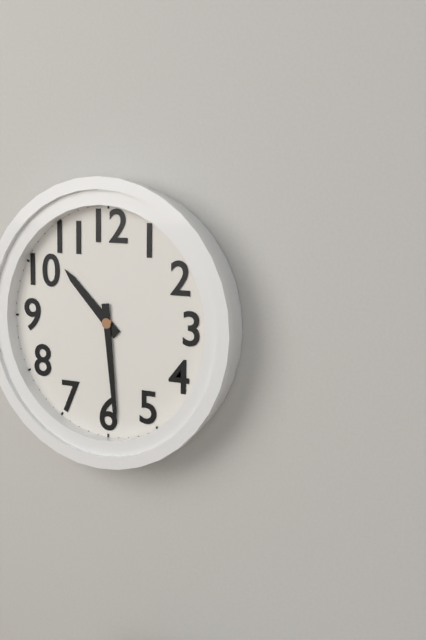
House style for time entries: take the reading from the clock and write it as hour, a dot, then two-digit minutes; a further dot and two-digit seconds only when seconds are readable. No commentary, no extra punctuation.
10.29
